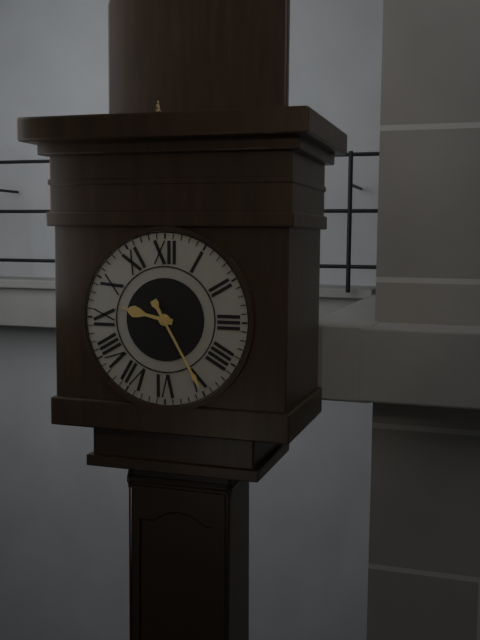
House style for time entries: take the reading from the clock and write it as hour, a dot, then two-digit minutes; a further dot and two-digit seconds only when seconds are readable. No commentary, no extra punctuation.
9.25
